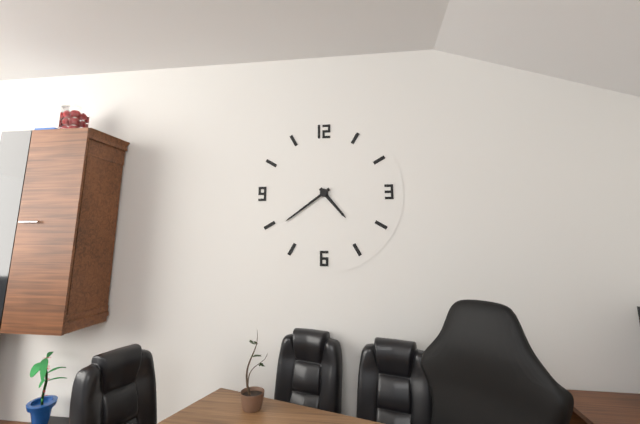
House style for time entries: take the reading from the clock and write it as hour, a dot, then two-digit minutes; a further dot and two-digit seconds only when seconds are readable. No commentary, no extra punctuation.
4.39
